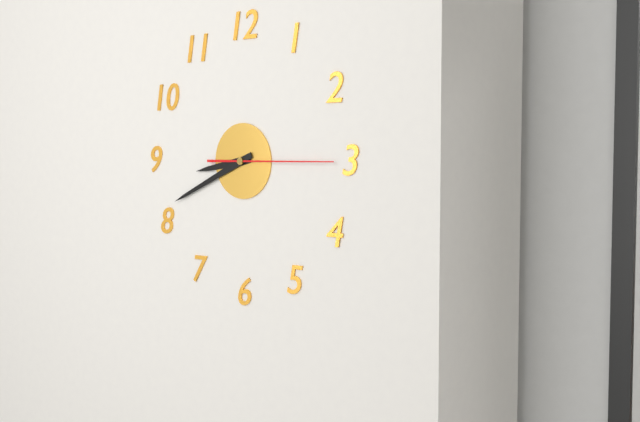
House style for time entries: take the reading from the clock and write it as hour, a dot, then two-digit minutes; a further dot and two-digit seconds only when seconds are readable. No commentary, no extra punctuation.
8.41.15
